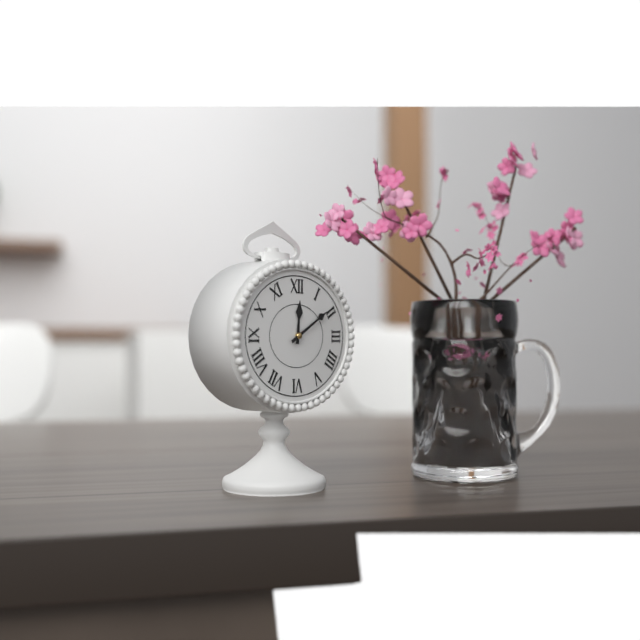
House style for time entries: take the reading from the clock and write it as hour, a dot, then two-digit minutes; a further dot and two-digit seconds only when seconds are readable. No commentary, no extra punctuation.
12.10
